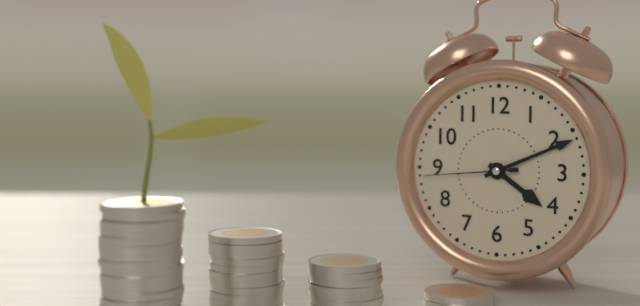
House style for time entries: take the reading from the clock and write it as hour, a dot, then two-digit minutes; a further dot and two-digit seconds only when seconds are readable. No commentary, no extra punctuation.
4.11.44
